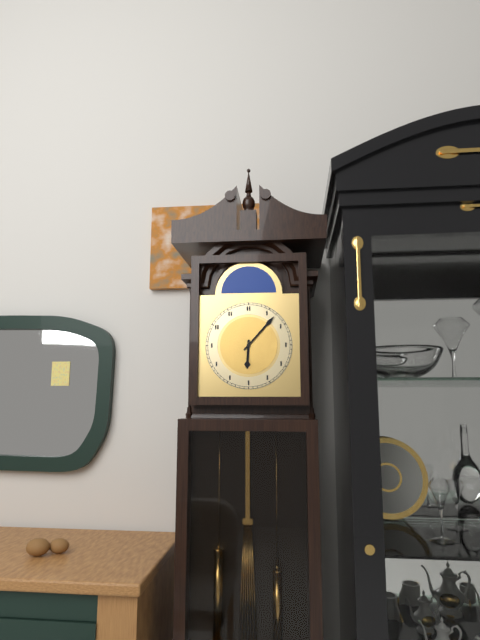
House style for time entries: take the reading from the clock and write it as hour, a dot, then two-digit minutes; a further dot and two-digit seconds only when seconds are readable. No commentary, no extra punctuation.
6.07
